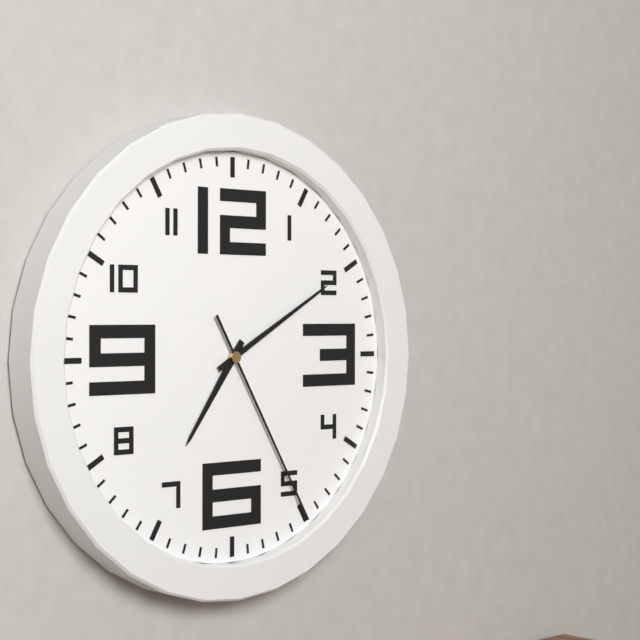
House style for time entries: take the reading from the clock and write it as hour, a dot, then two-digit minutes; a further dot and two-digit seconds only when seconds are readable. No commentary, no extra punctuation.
7.10.25
